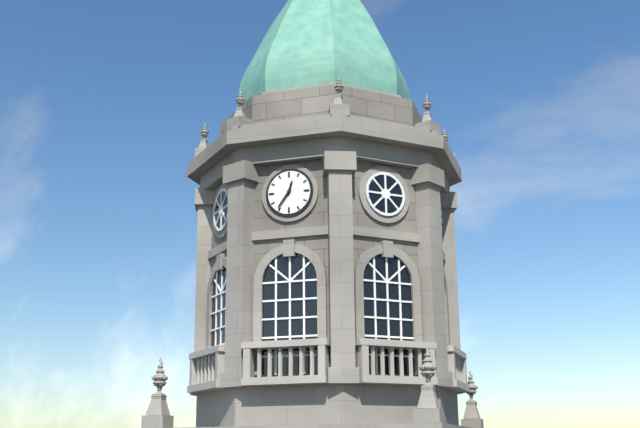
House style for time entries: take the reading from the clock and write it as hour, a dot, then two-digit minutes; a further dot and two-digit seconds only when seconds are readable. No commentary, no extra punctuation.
12.36
